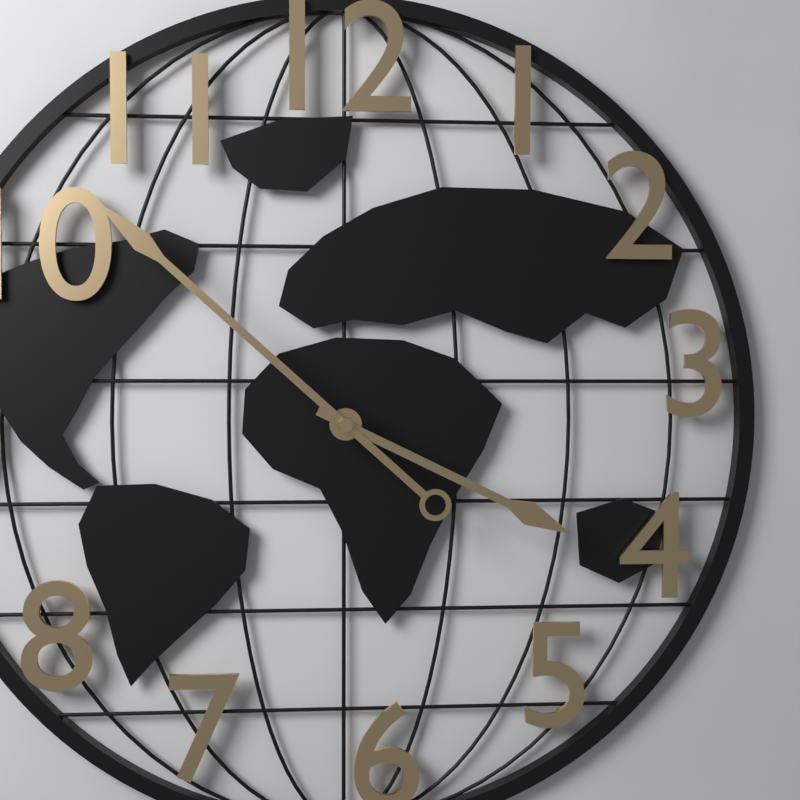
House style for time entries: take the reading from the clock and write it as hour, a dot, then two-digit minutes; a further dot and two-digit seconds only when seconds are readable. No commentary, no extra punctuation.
3.52
